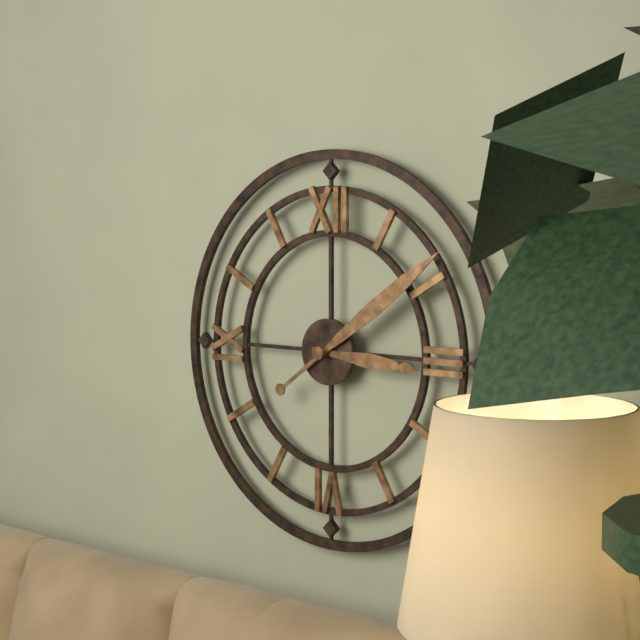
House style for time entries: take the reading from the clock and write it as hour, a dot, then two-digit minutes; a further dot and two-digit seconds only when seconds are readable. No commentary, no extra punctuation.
3.09
